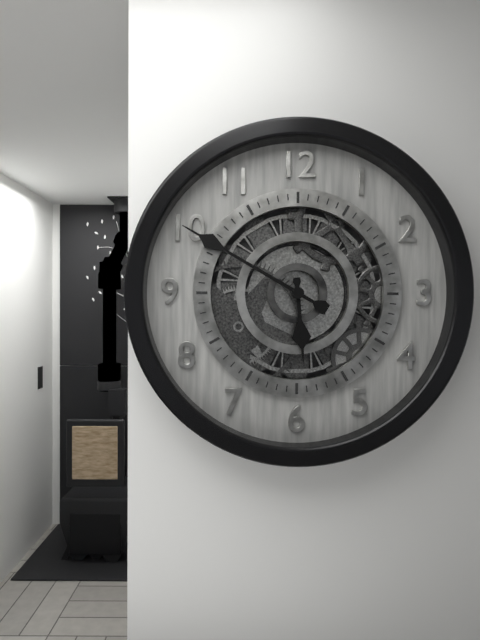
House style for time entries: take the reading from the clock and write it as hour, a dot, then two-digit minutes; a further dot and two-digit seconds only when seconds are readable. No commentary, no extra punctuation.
5.50
